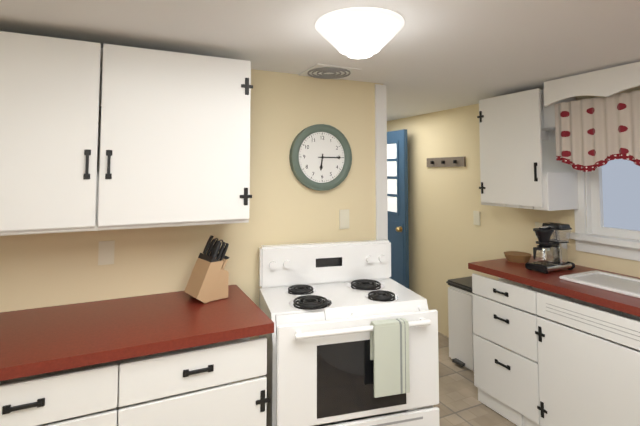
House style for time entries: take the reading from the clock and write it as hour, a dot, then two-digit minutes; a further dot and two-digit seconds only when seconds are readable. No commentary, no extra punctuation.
6.15
